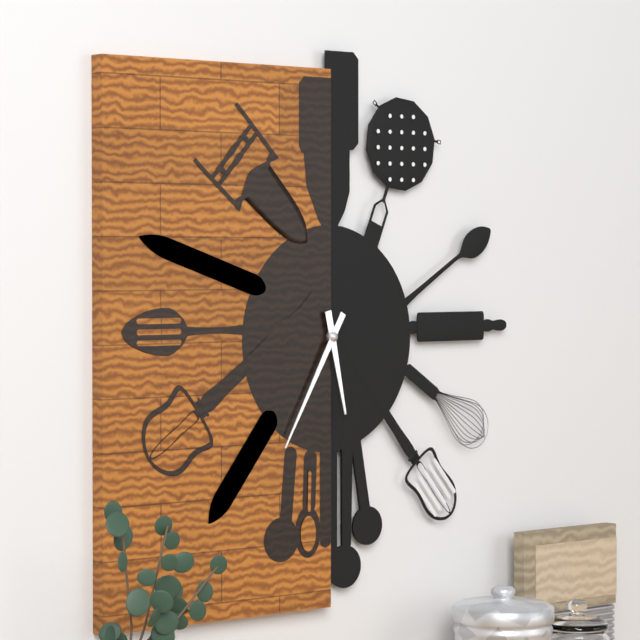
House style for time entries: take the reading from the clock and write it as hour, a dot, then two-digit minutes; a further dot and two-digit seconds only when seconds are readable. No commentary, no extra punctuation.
5.35
